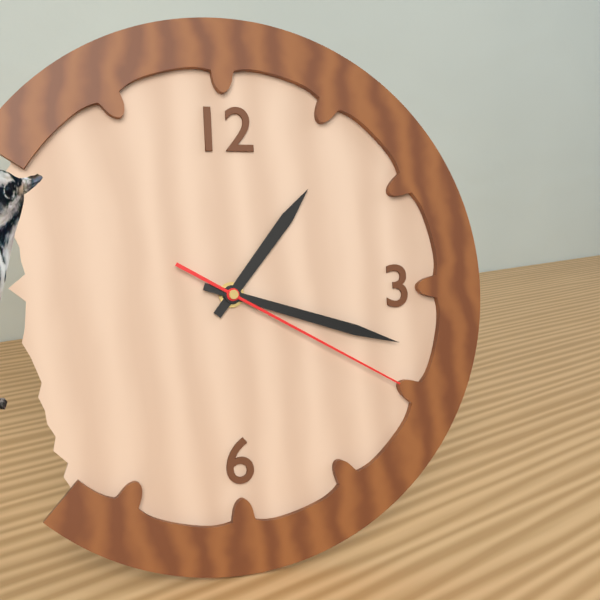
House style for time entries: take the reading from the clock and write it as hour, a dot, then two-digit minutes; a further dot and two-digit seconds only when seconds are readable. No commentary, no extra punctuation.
1.18.20
